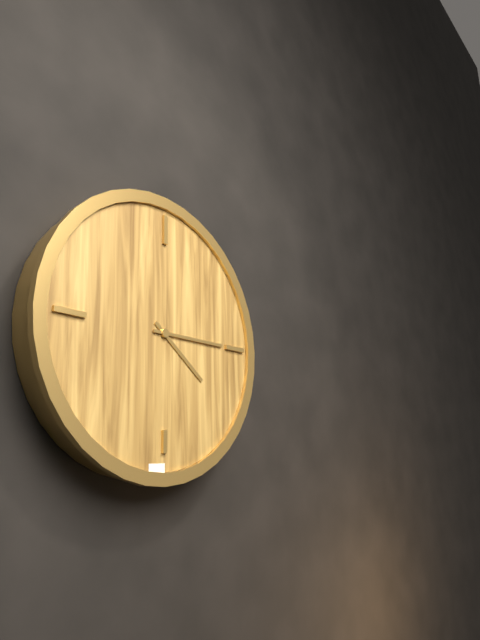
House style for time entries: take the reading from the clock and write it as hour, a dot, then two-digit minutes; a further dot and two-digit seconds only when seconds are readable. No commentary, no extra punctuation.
4.15
